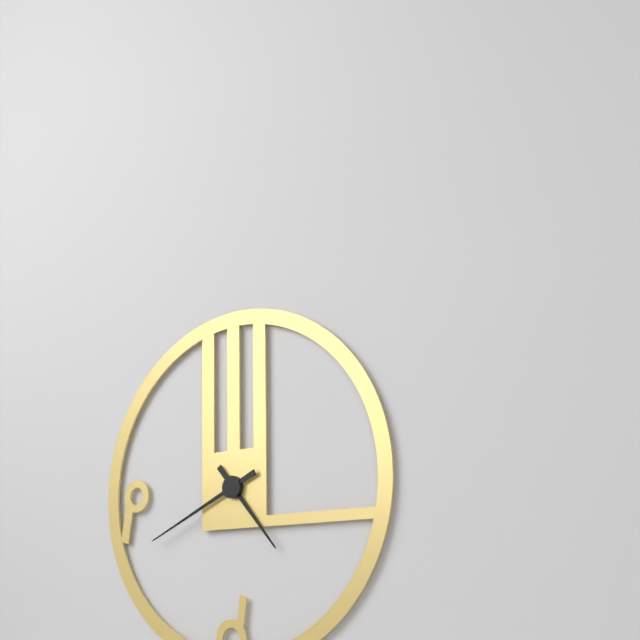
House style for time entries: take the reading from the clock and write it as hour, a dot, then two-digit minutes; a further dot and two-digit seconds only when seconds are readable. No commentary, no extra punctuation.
4.41
